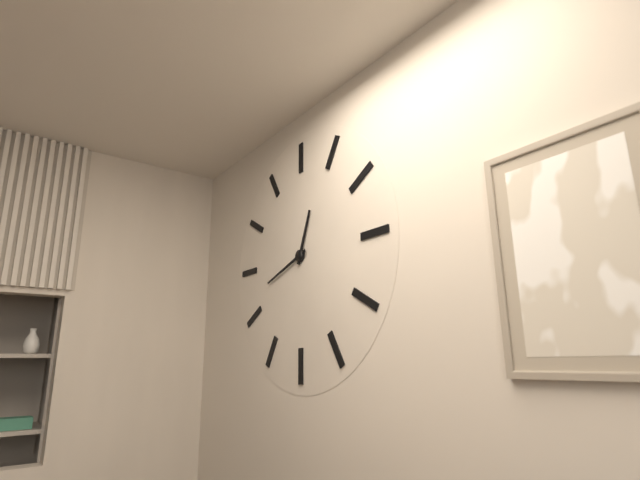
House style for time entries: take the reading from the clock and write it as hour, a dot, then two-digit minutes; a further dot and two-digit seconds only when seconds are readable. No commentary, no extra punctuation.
12.42
